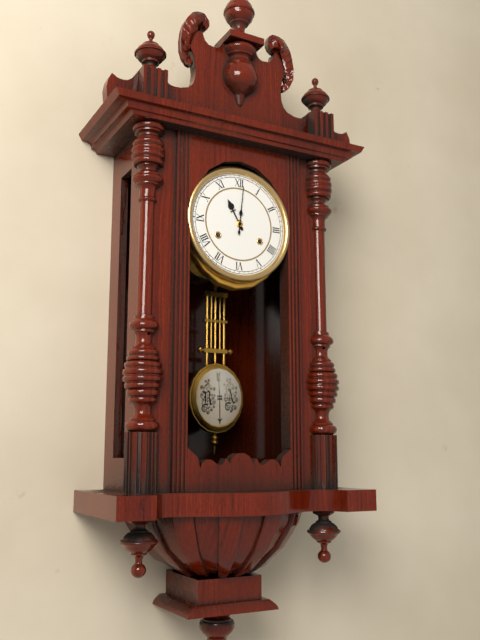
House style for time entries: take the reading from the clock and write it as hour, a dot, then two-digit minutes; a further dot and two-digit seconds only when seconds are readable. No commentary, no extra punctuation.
11.01
